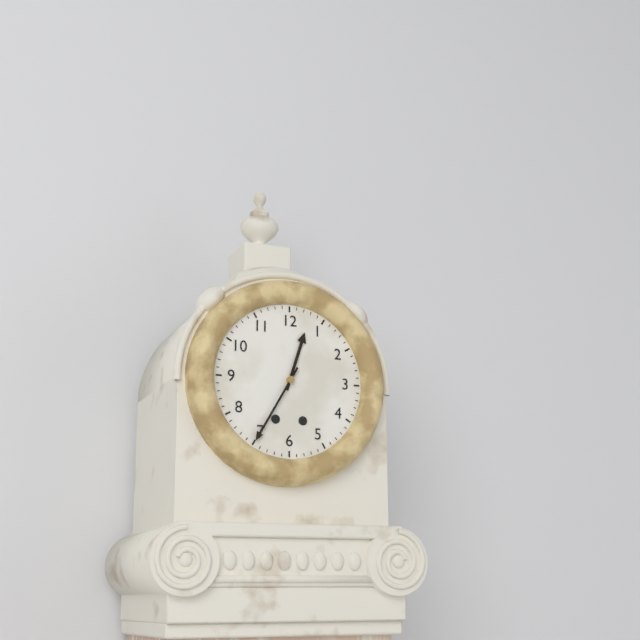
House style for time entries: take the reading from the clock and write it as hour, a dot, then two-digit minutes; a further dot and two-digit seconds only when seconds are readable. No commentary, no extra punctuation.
12.35
